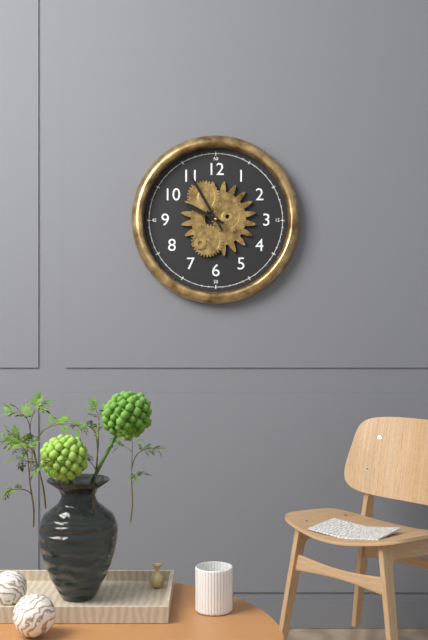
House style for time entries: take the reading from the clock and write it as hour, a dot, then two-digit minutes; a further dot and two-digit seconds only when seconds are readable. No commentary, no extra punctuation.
9.55
